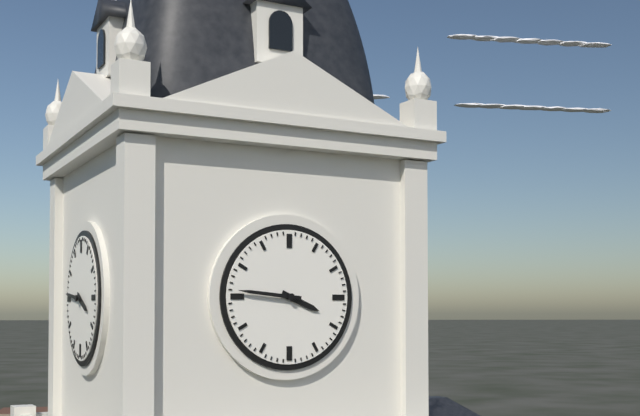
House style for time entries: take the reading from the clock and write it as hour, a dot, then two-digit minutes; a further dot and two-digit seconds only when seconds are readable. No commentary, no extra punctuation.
3.46
